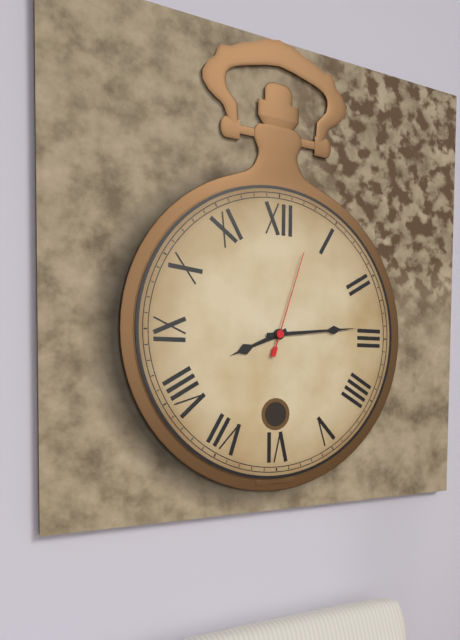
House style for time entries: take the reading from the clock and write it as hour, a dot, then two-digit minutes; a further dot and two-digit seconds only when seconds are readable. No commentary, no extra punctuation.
8.14.03
